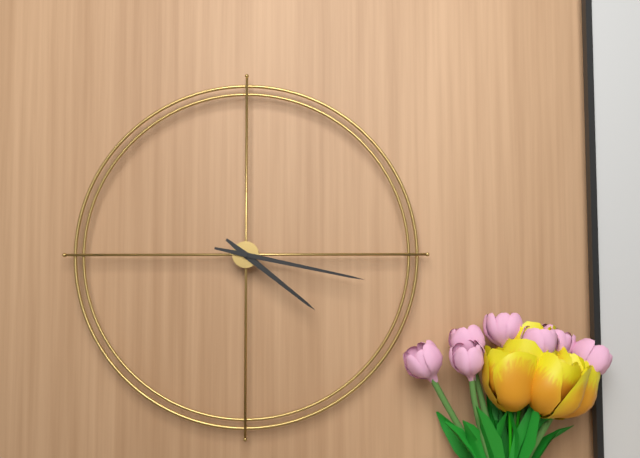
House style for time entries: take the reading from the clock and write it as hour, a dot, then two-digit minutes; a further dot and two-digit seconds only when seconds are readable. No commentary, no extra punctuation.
4.17
